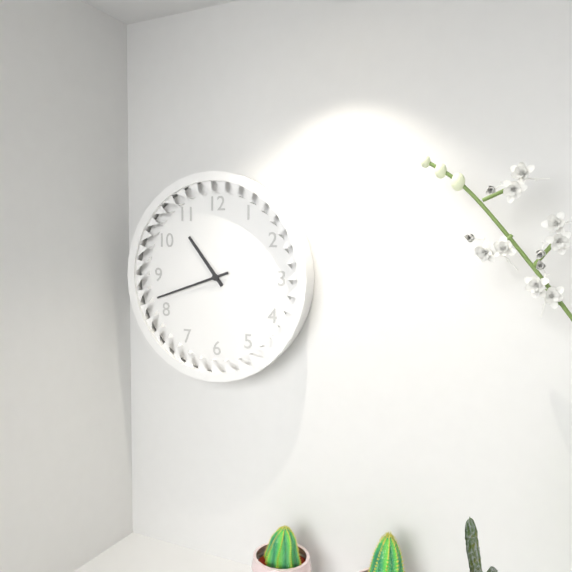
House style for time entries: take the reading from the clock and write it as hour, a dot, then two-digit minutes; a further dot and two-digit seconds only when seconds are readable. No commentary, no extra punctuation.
10.42
